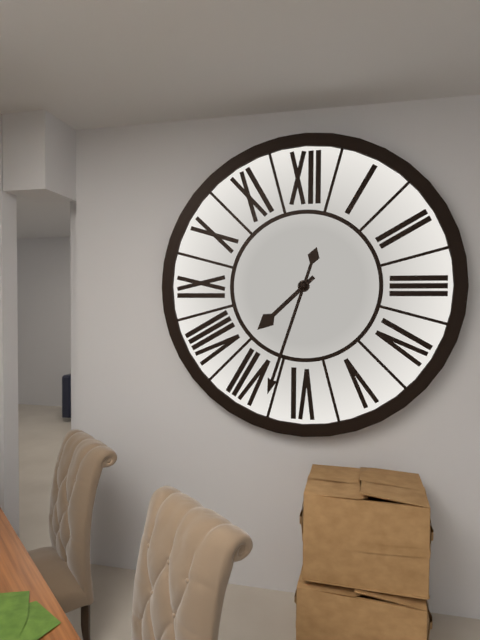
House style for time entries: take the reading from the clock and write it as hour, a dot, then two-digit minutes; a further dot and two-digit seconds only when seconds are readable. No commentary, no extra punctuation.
7.33
